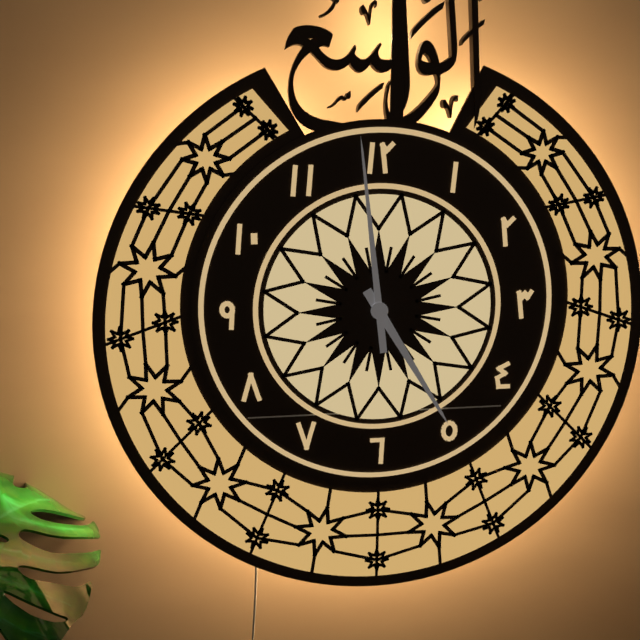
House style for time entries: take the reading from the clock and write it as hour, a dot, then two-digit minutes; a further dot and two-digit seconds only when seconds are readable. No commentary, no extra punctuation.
4.59
